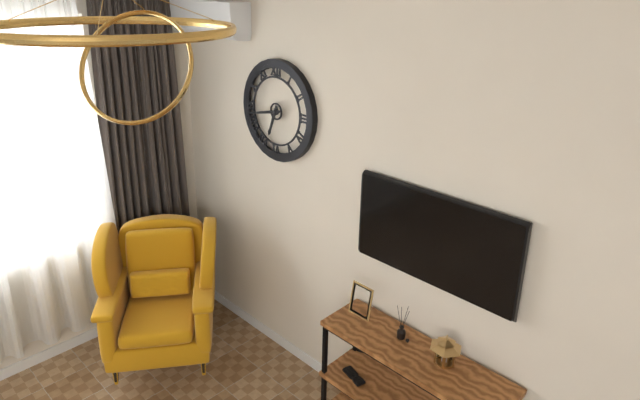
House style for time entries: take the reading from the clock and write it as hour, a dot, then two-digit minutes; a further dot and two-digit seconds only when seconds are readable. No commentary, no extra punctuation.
6.43
